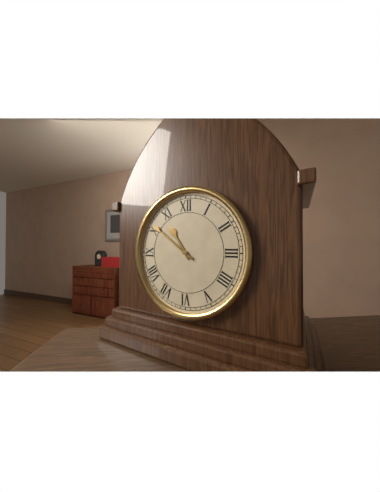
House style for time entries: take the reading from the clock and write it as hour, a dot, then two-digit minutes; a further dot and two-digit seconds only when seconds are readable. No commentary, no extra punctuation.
10.51
